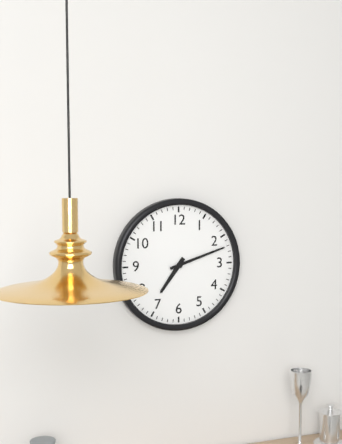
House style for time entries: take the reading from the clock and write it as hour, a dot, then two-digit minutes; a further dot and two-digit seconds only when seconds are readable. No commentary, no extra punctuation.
7.12
